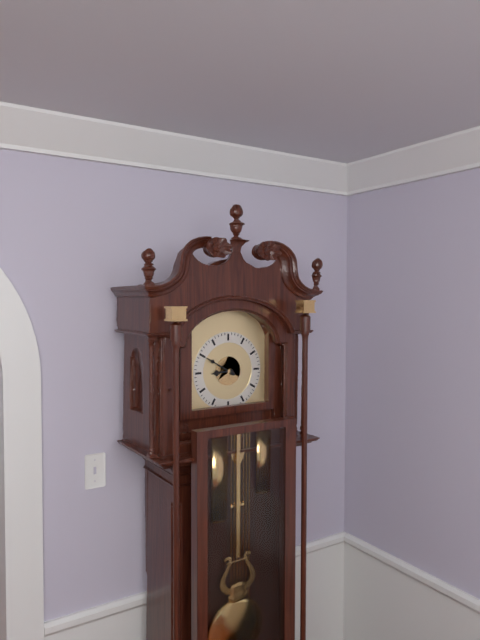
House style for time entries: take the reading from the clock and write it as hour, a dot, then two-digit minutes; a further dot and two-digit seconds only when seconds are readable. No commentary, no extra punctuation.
8.50
